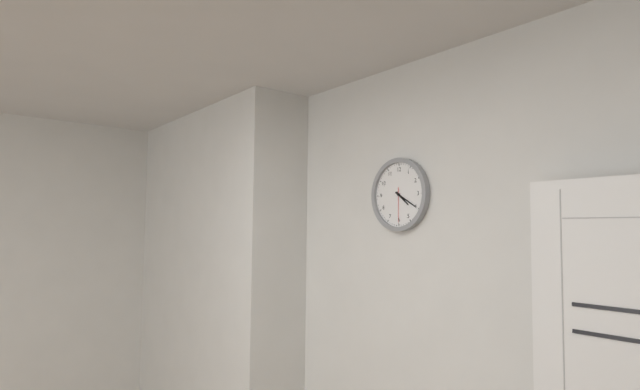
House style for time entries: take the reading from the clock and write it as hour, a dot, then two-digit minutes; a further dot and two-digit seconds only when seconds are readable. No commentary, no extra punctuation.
4.20
